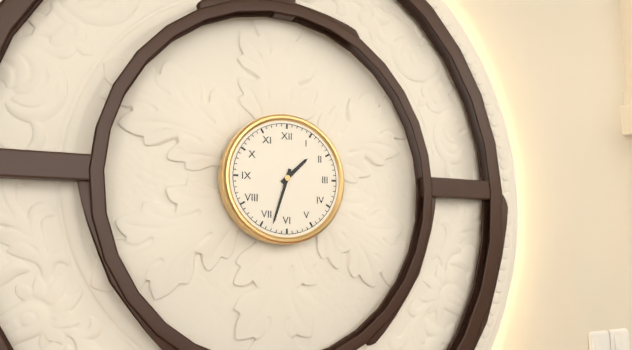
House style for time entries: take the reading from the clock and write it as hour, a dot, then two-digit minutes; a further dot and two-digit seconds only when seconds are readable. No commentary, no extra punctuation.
1.33
